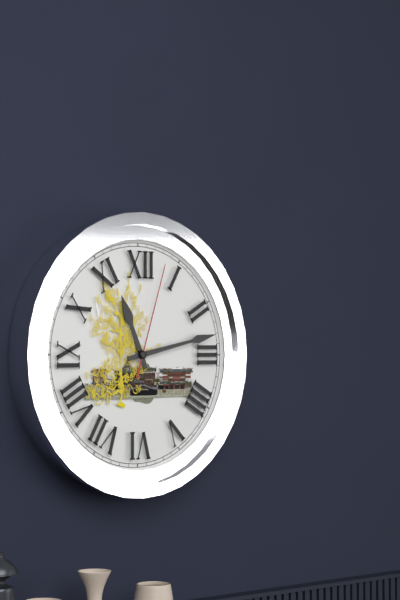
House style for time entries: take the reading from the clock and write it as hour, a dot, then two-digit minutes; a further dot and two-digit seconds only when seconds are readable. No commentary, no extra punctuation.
11.13.03
